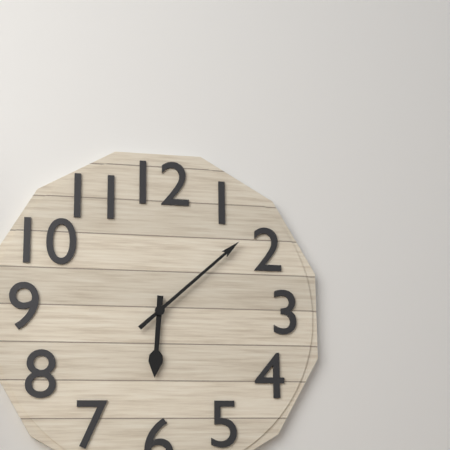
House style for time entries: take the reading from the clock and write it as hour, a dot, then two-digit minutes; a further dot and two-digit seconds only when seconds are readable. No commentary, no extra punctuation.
6.08
